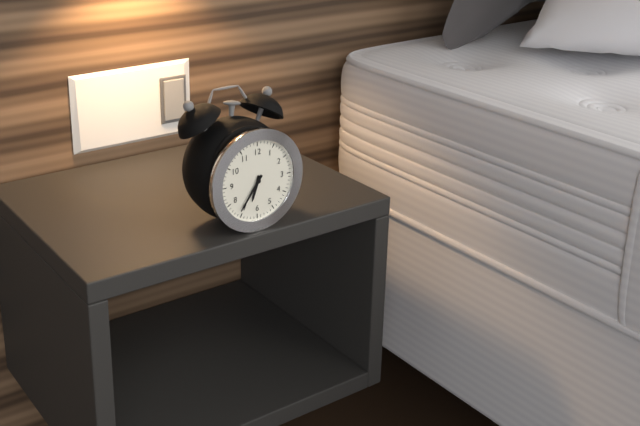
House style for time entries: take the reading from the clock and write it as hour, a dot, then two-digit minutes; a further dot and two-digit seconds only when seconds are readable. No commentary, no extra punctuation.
6.36
